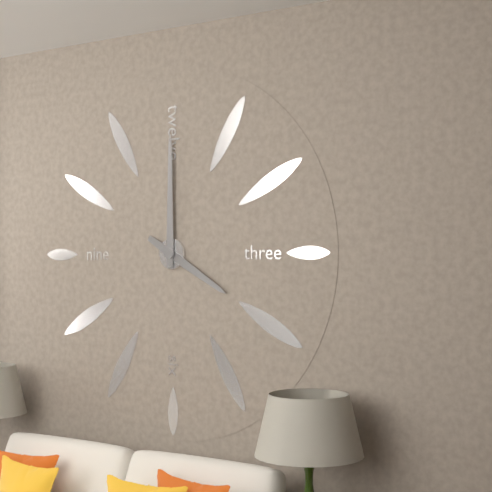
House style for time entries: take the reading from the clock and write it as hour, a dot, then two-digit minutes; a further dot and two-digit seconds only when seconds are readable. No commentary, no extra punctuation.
4.00
